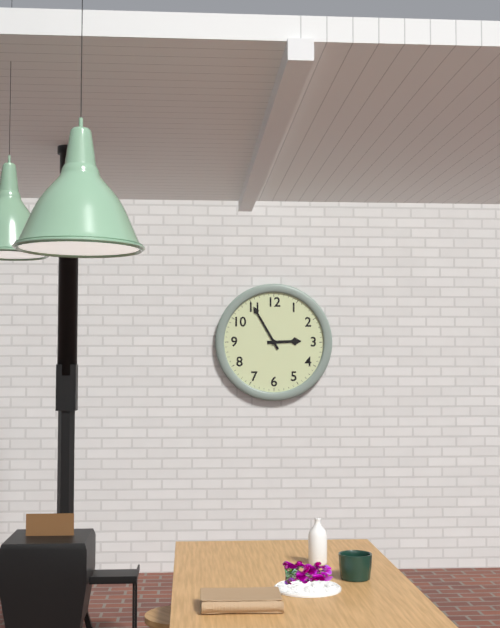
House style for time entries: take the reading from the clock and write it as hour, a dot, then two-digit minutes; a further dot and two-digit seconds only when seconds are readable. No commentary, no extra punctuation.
2.55
